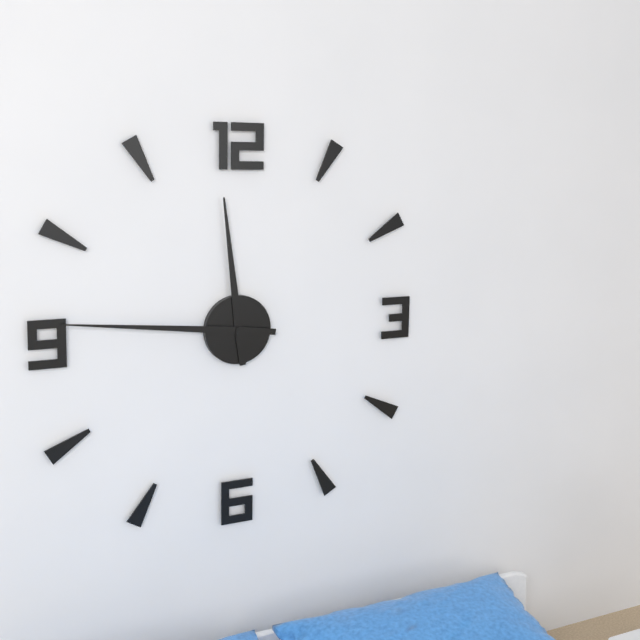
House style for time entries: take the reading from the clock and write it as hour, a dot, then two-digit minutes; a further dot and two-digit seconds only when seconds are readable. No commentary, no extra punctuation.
11.46
